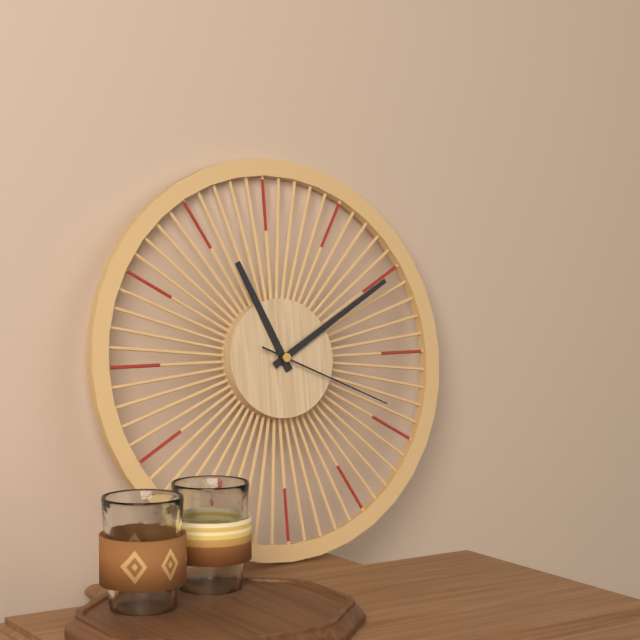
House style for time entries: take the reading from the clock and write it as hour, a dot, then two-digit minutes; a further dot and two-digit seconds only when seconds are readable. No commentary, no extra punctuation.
11.10.19
